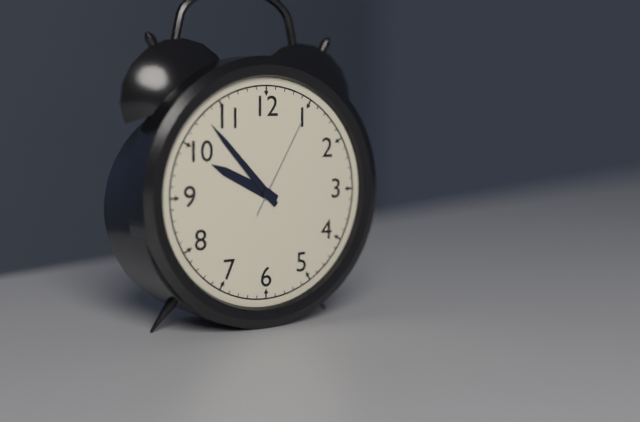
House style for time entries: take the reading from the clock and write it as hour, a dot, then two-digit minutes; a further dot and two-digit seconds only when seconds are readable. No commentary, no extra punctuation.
9.53.05
